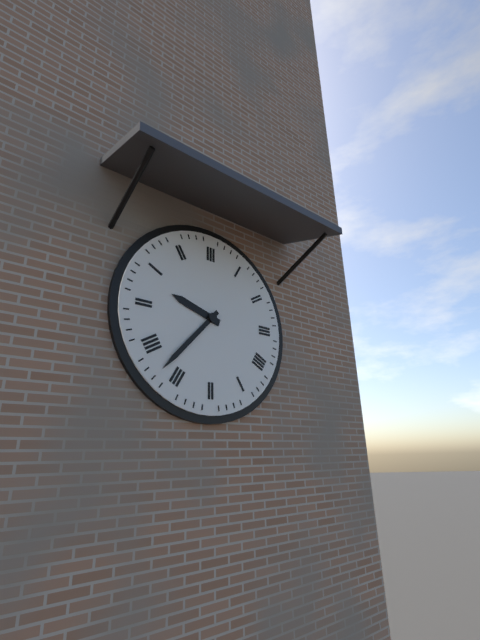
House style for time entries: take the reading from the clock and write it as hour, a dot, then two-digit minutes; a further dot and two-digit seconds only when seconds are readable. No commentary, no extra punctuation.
9.37
